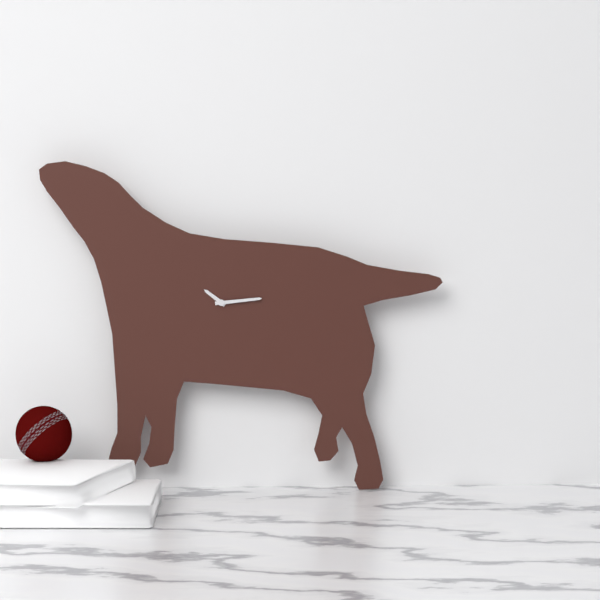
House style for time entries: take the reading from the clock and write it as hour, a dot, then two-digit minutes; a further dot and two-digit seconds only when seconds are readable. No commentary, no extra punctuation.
10.14
